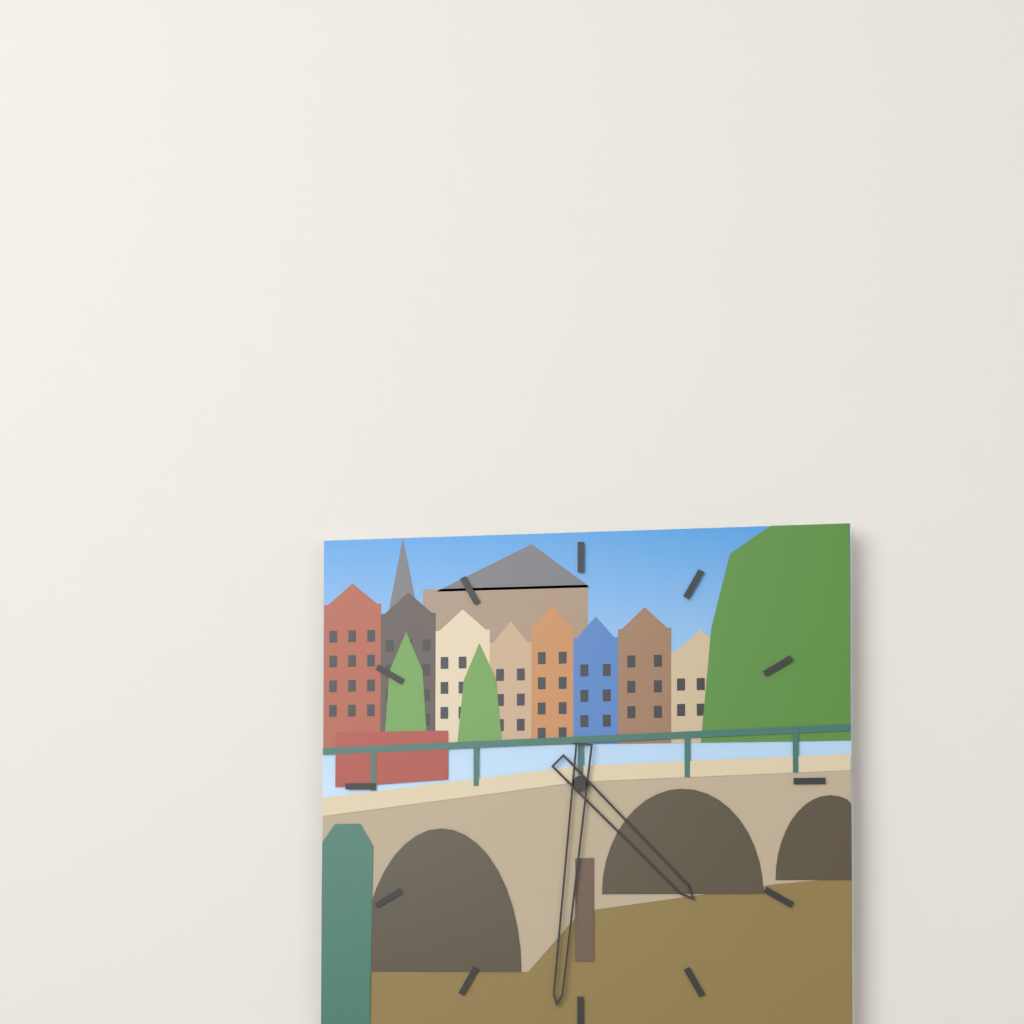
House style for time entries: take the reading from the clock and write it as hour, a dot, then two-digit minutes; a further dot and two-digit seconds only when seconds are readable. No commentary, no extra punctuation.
4.31
